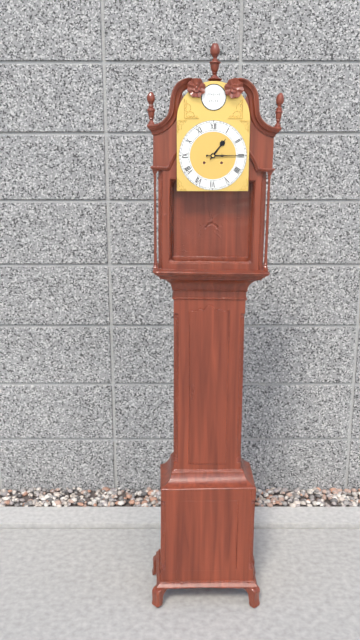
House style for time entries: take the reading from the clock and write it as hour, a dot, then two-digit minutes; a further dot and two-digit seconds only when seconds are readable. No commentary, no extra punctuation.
1.15
